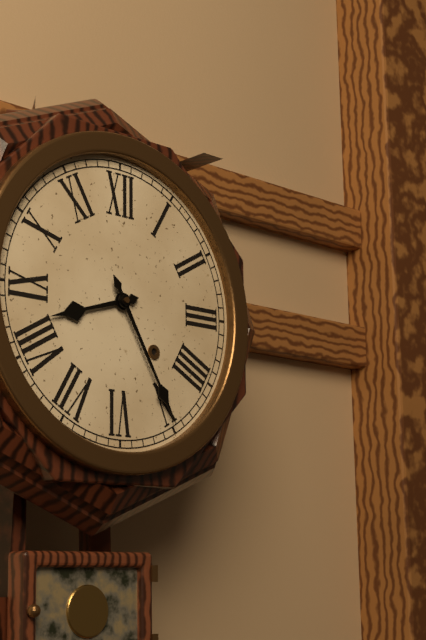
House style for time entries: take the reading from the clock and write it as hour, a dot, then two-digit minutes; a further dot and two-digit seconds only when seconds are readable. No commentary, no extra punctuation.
8.25
